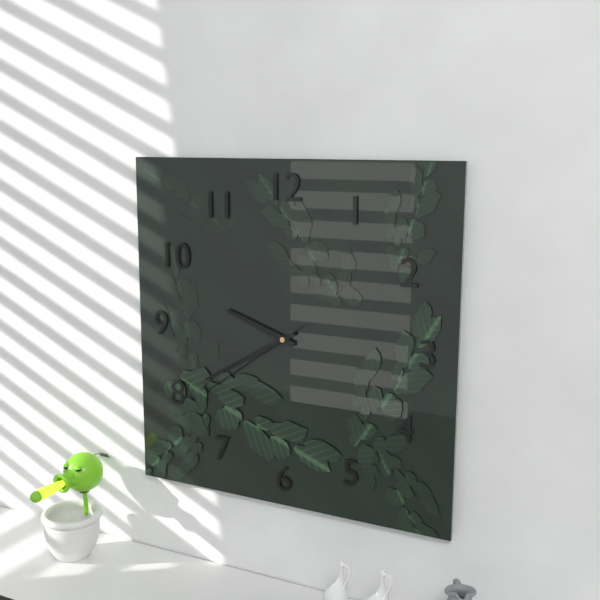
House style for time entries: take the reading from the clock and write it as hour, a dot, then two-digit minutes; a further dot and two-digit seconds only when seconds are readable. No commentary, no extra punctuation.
9.40.39
